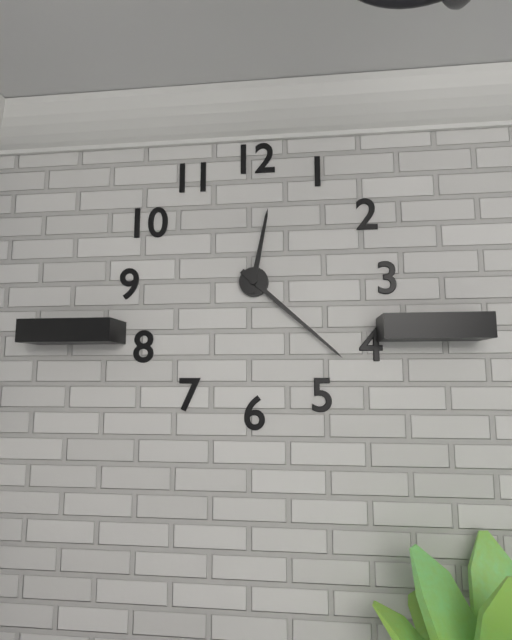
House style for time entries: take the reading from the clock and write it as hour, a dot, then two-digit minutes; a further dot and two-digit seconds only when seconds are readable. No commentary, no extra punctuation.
12.22
